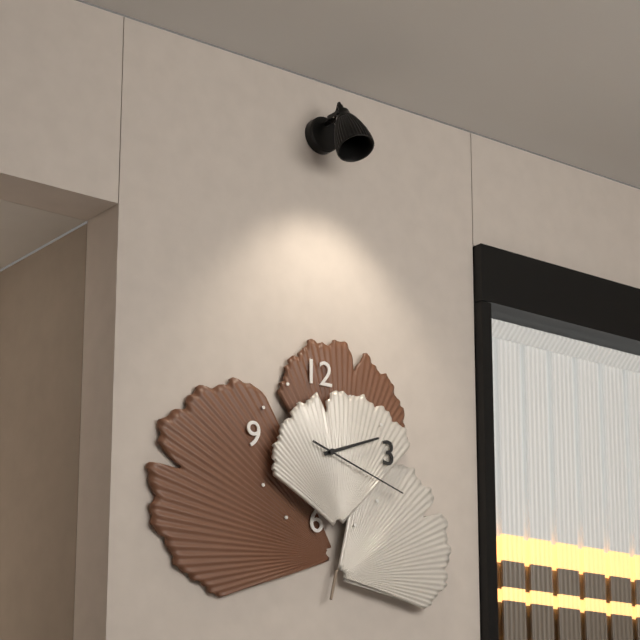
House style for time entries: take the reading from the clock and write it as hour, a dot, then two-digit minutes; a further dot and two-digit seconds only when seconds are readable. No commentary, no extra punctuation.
2.18
